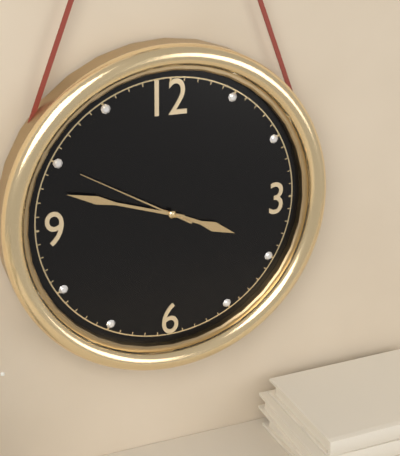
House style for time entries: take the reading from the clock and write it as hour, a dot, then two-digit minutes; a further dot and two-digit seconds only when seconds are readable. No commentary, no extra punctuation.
3.48.50
